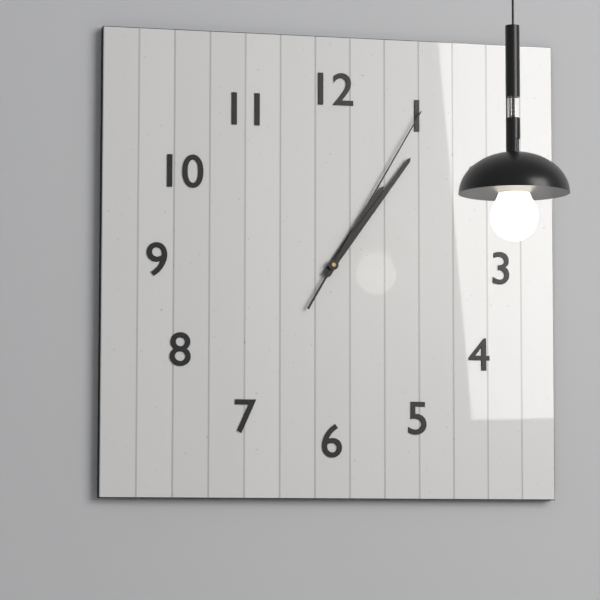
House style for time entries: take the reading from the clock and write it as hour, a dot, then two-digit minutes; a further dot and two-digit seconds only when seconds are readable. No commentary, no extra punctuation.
1.06.05
